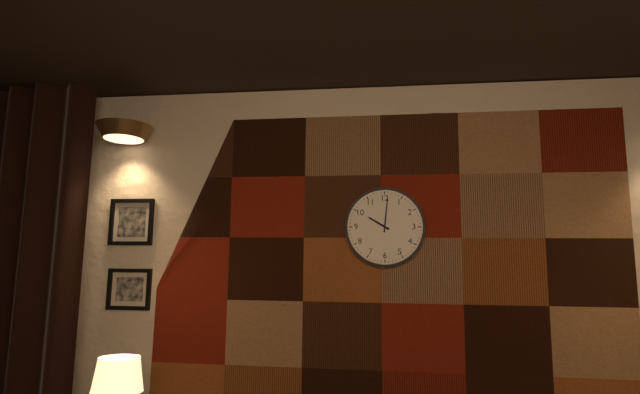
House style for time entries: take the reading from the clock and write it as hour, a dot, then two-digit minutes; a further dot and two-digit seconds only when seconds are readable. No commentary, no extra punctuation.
10.01
